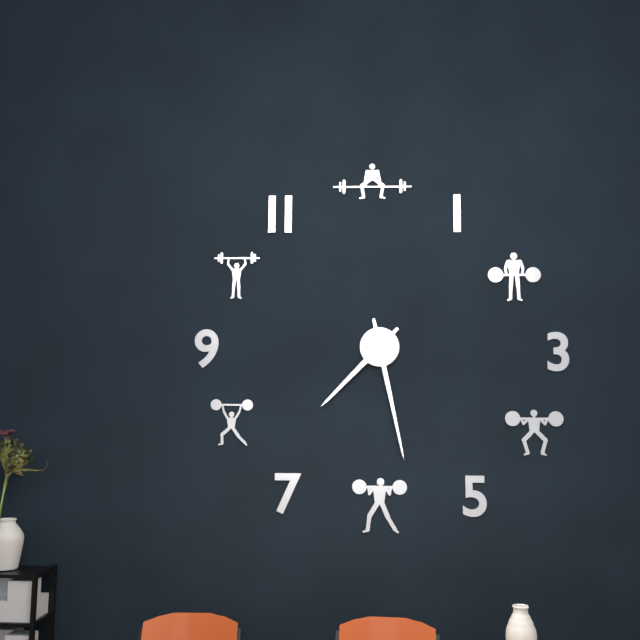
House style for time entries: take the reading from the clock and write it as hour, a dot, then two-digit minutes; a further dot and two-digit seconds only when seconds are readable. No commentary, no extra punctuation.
7.28
